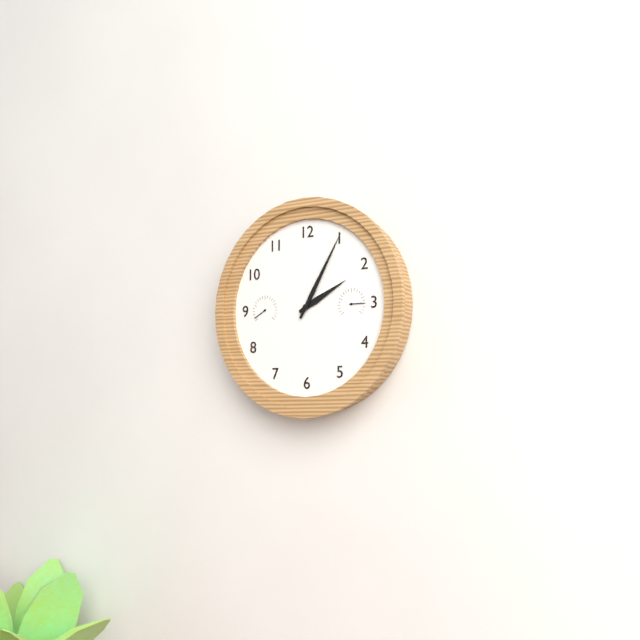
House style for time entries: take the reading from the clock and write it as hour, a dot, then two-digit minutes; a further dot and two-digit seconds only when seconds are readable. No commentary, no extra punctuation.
2.05
